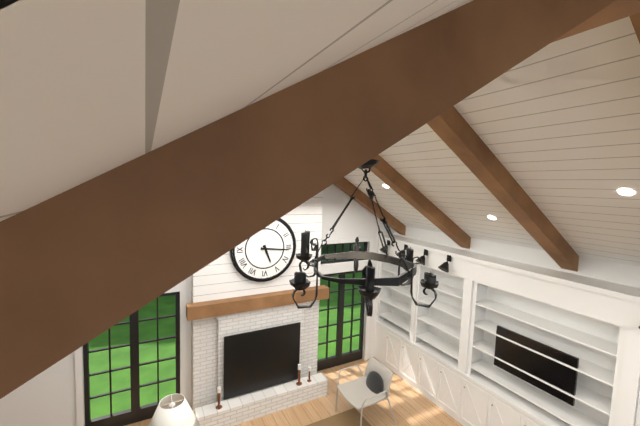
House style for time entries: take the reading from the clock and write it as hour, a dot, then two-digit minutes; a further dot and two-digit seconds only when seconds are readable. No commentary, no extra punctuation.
5.16
